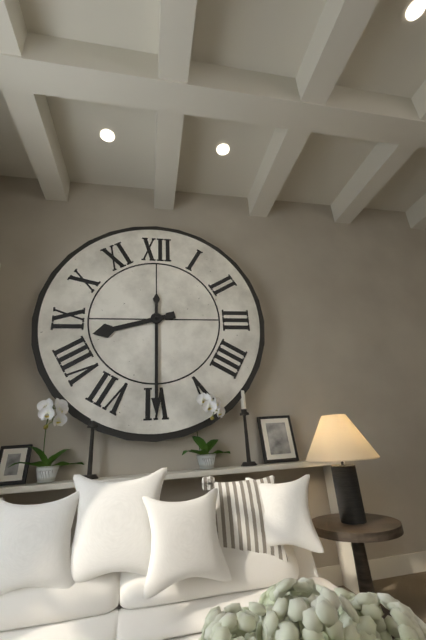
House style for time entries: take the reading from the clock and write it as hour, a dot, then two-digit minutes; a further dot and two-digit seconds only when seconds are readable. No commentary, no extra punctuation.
8.30
